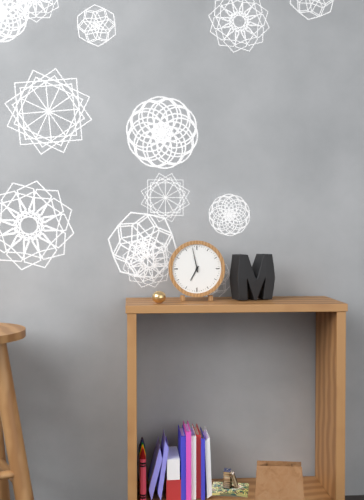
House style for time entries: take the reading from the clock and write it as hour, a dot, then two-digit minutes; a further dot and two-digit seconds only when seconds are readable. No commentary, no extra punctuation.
6.58
